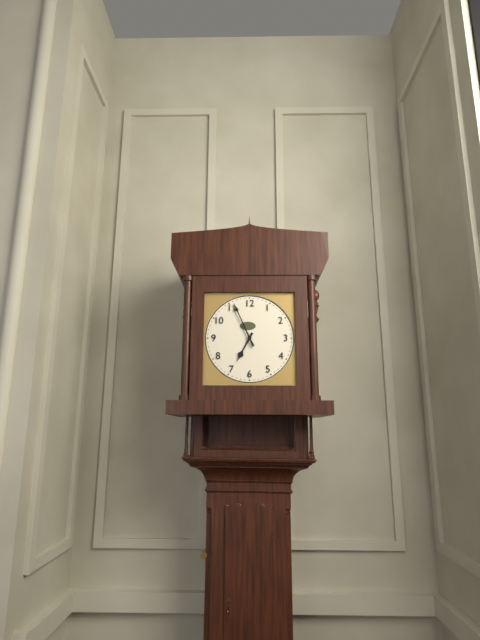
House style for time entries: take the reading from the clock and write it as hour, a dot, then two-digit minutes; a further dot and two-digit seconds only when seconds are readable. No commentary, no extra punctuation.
6.56
